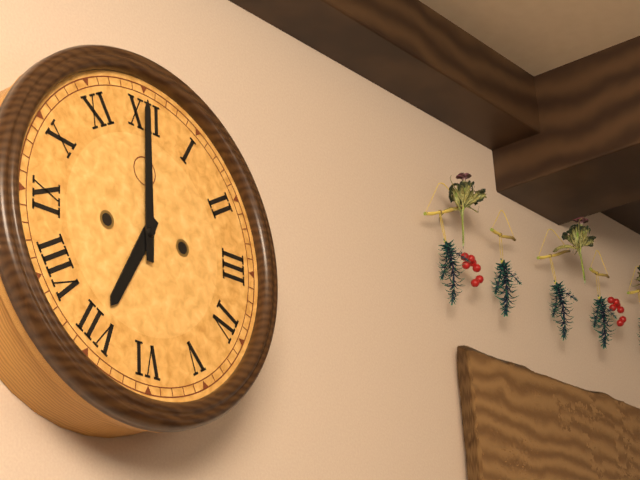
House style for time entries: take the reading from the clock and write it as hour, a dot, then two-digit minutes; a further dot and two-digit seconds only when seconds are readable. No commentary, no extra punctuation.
7.00
